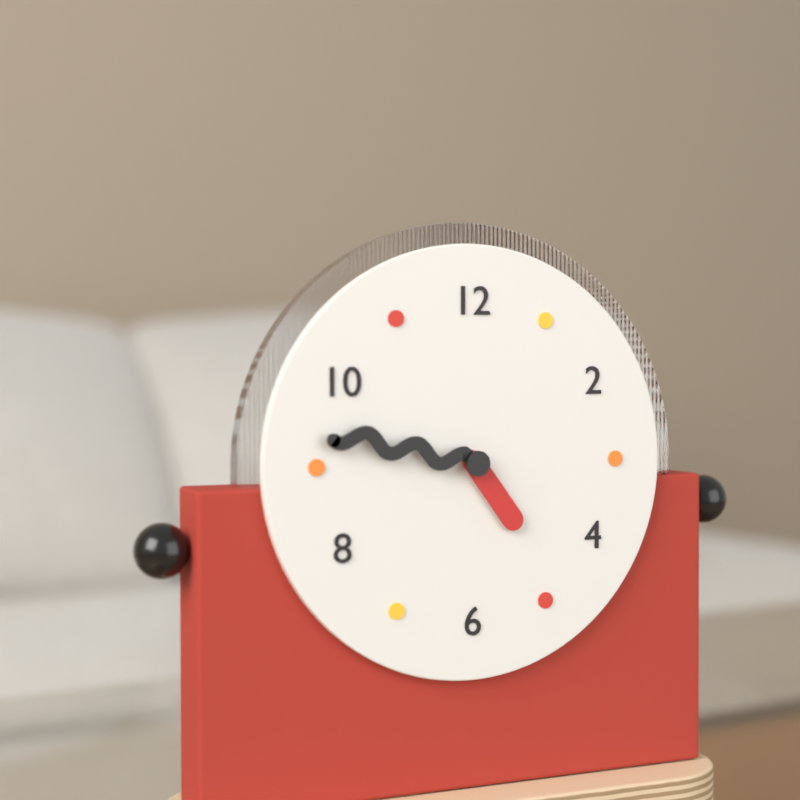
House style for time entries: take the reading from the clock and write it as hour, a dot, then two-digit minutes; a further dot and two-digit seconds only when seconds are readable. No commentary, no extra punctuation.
4.47
